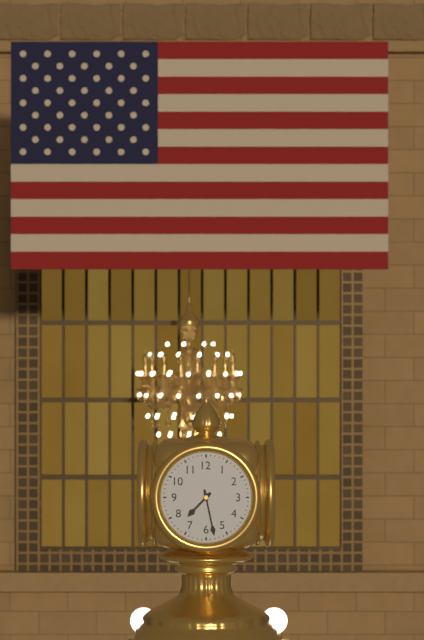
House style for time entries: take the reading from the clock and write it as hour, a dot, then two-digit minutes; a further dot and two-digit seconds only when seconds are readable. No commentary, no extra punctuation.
7.28
